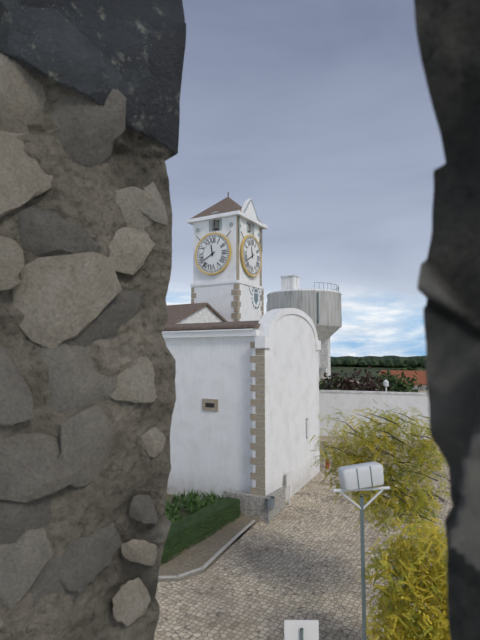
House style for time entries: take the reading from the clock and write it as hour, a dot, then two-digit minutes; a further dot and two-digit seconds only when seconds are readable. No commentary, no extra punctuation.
11.40
